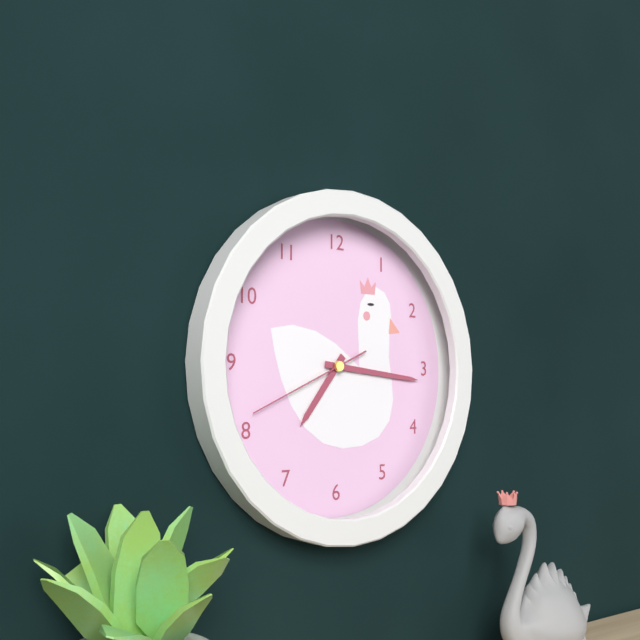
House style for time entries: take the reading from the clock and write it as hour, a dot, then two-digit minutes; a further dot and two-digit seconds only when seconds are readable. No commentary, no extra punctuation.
7.16.41
